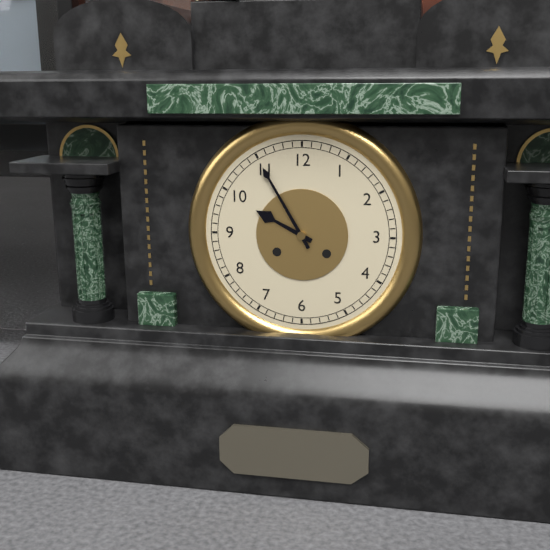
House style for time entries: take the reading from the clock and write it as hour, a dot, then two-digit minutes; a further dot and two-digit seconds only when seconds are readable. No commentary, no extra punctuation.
9.55
